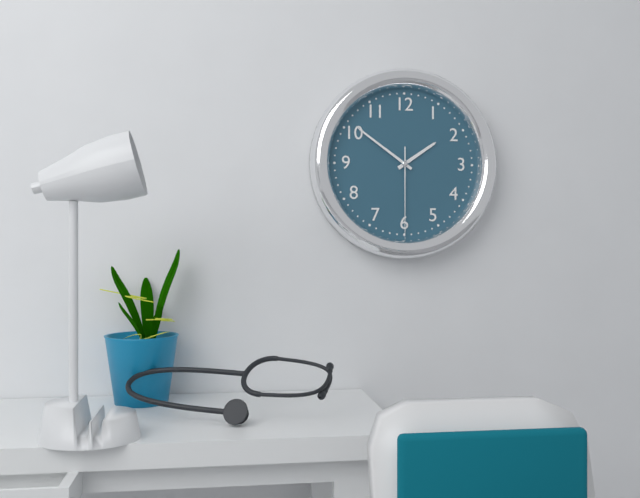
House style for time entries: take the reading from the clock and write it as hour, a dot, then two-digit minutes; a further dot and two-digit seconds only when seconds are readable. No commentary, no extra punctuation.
1.51.30
